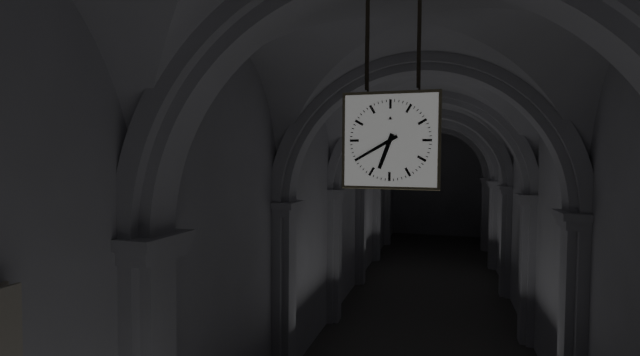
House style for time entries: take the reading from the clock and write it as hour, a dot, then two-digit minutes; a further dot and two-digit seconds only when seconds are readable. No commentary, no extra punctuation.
6.40
